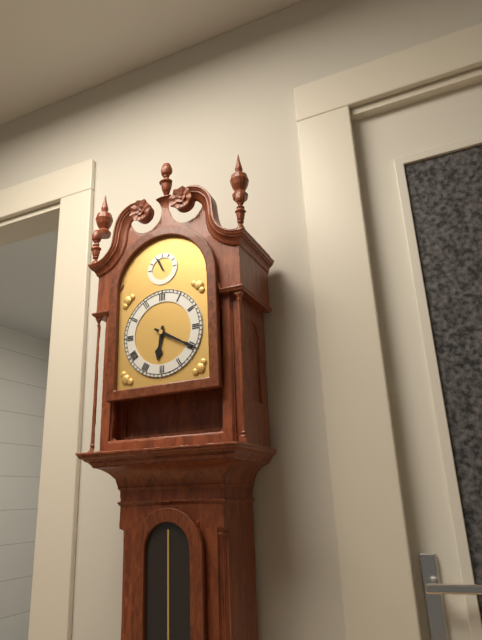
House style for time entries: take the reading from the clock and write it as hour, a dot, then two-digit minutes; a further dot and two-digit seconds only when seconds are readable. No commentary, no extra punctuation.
6.20
